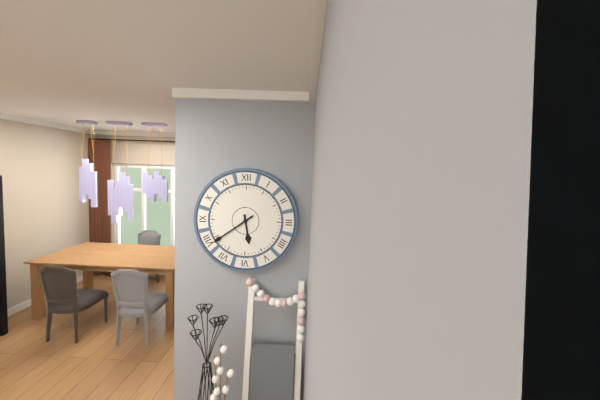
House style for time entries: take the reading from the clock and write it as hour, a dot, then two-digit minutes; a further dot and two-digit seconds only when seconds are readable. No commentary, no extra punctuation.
5.39
